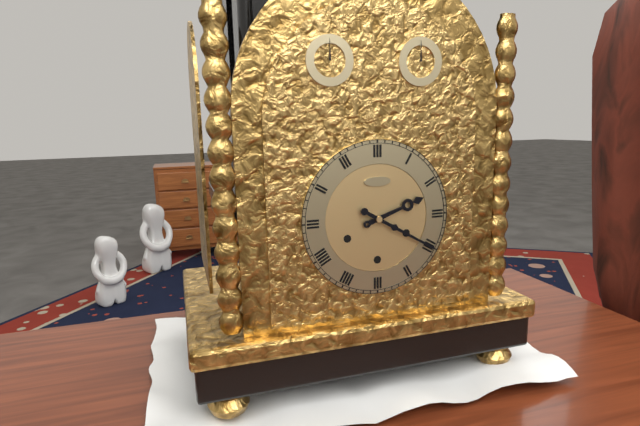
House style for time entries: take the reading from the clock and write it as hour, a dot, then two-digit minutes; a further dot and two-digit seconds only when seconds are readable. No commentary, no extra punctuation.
2.20
